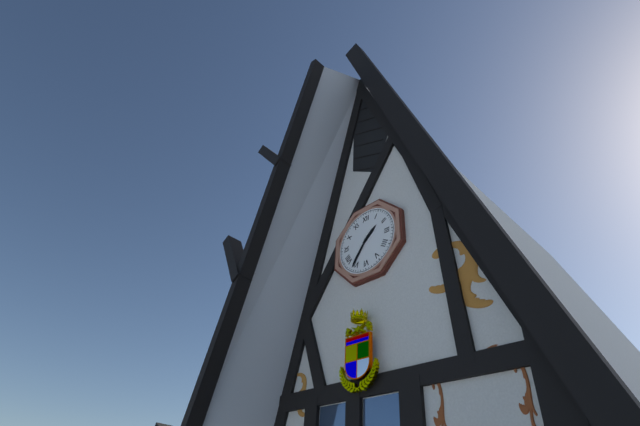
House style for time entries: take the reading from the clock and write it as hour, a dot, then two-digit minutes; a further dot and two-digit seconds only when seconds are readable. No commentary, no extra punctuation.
1.36
